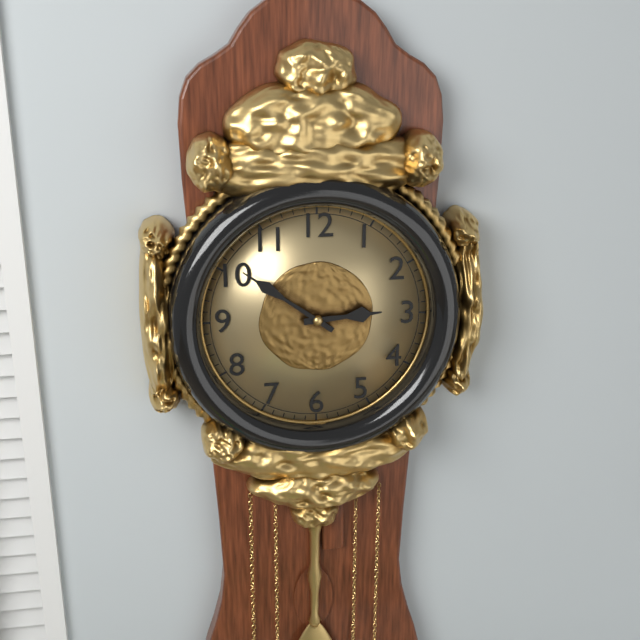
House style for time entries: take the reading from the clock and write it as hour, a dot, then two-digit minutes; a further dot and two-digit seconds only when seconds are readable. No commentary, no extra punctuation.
2.51
